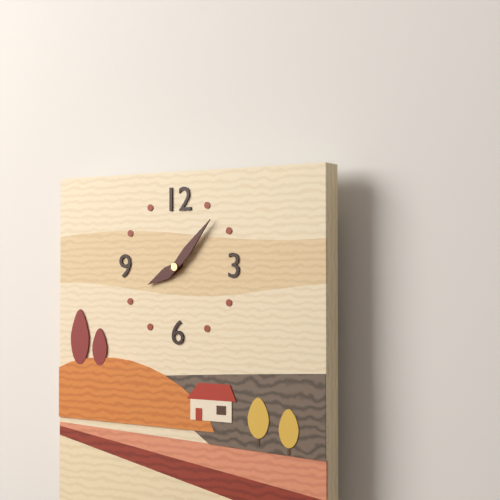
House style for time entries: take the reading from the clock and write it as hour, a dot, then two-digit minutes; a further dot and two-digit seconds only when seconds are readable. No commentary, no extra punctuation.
8.07
